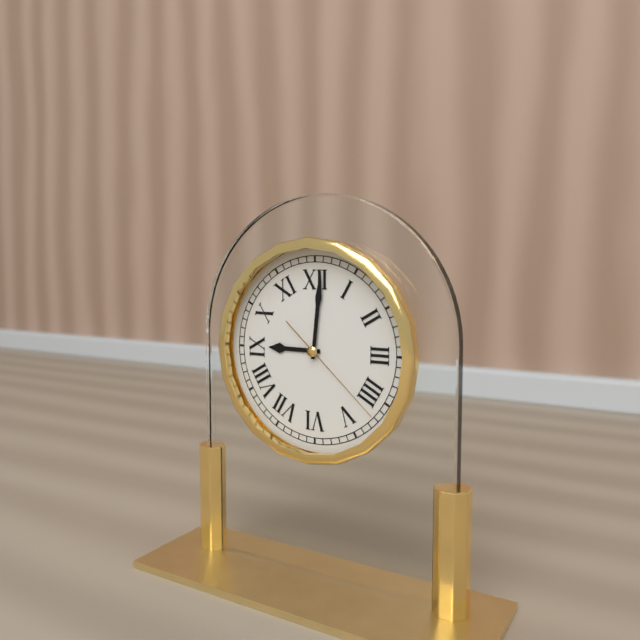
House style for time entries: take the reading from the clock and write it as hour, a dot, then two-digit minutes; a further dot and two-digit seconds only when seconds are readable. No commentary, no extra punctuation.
9.01.22
